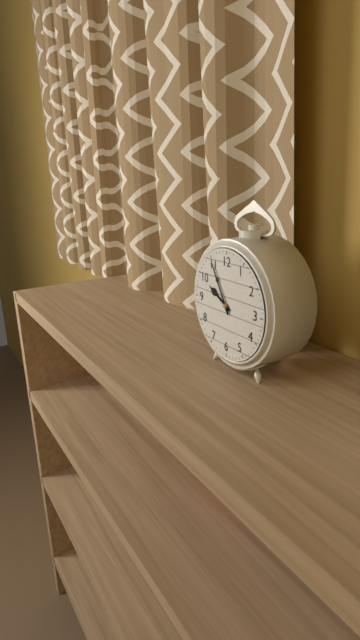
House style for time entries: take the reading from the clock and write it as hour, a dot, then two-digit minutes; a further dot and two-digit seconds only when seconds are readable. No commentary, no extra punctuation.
9.55
